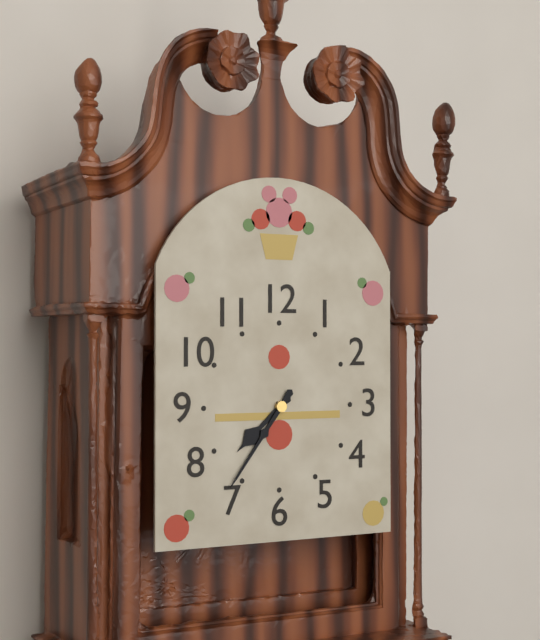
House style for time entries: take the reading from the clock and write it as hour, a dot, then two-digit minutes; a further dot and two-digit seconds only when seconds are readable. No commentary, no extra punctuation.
7.36
